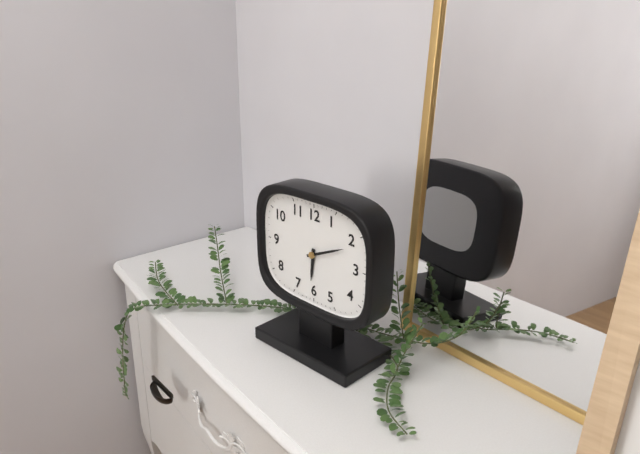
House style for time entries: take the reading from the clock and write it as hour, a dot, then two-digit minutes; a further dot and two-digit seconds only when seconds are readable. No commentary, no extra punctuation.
6.11
